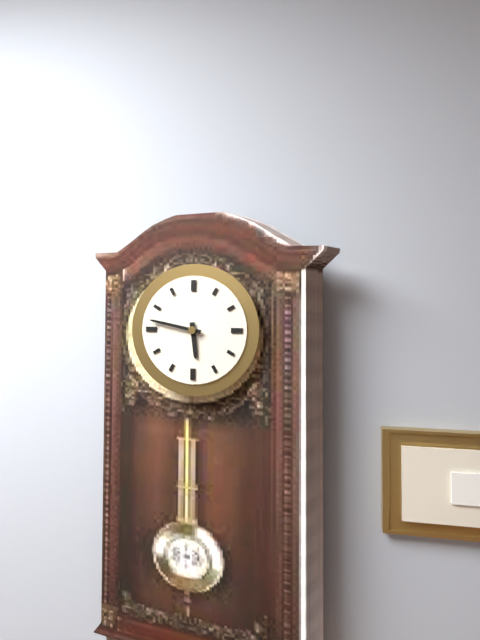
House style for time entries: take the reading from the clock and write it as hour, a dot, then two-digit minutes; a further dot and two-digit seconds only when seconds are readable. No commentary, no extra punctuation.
5.47
